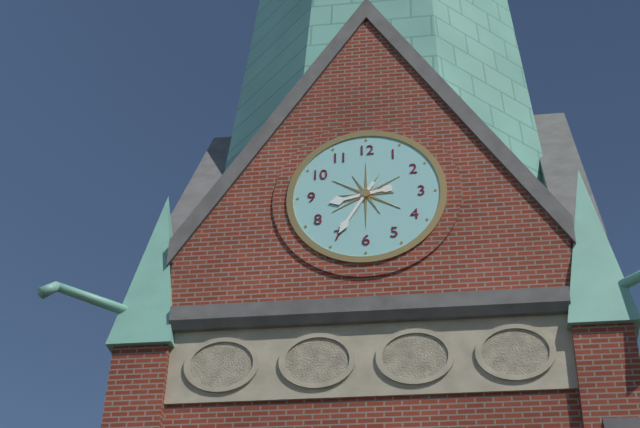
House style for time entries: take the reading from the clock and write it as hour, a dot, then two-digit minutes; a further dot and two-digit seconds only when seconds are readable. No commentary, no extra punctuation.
8.35
